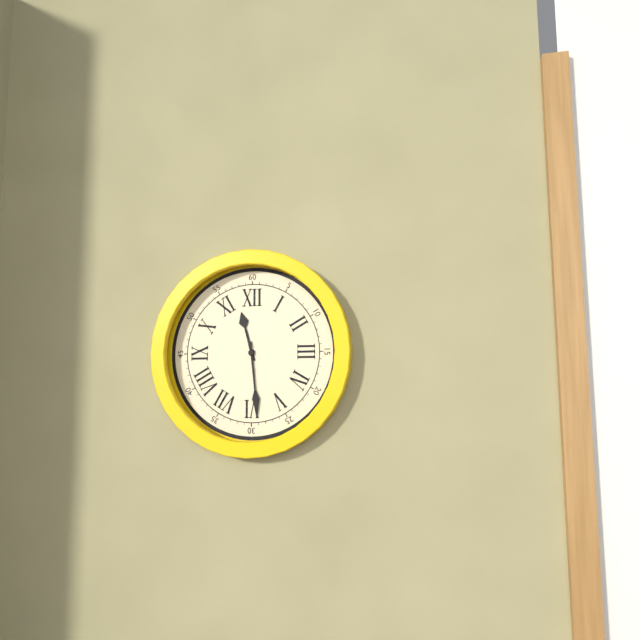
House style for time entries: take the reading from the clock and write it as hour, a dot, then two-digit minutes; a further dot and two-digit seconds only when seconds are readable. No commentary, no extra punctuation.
11.29
